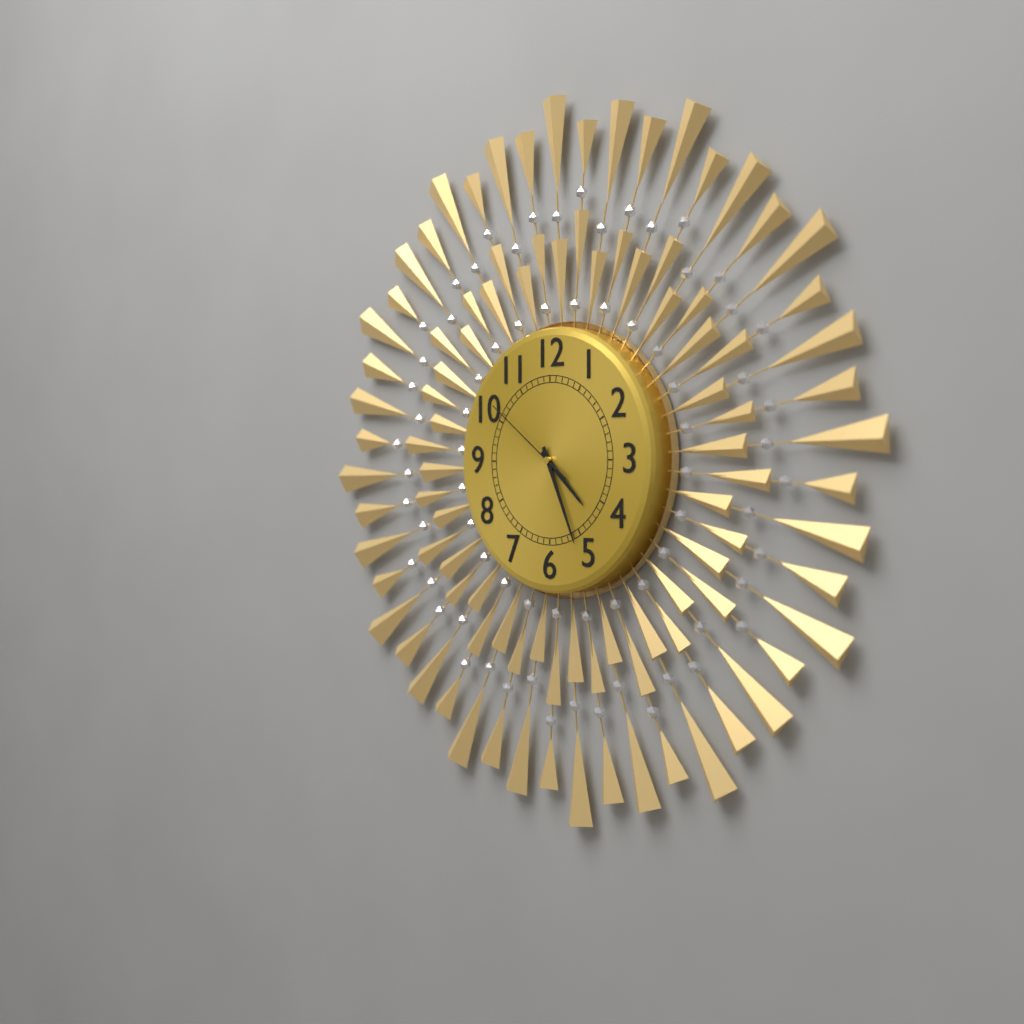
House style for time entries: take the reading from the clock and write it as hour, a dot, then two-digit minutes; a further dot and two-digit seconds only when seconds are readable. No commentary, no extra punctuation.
4.26.51
